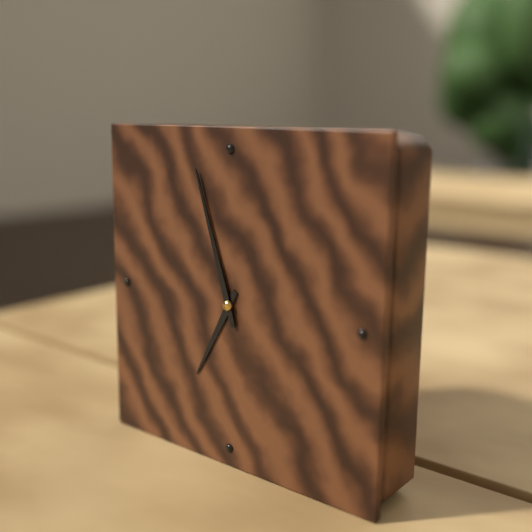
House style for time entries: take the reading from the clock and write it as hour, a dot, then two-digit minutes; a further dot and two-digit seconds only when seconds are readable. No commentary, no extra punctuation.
6.57
